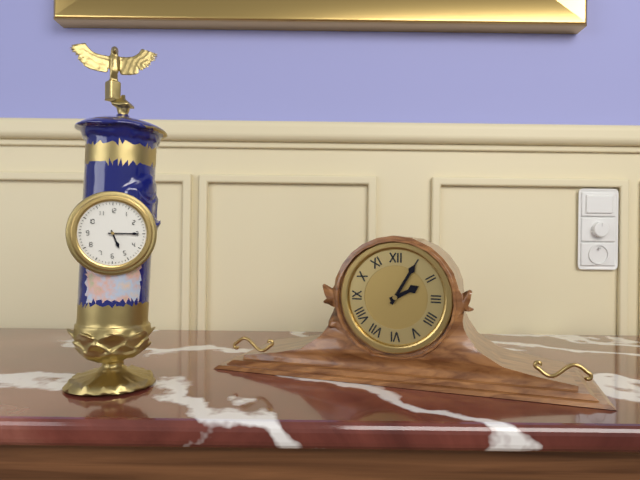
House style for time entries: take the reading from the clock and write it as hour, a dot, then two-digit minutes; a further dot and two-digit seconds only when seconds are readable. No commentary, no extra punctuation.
5.15
